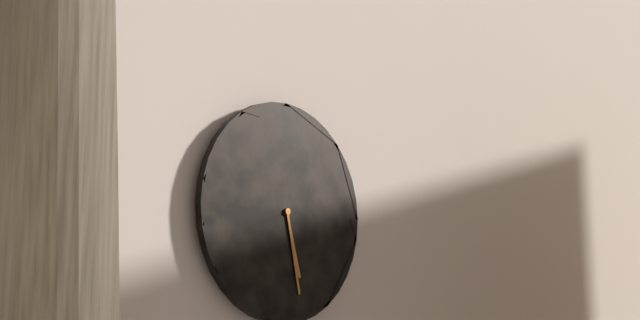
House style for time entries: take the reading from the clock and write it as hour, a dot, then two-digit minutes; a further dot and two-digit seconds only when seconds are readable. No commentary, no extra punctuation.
5.28
